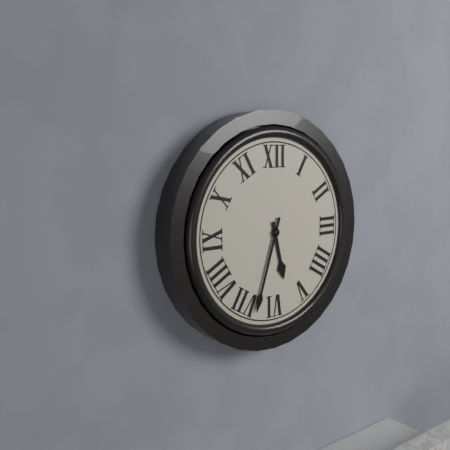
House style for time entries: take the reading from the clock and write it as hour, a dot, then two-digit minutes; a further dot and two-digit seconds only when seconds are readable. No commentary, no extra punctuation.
5.33
